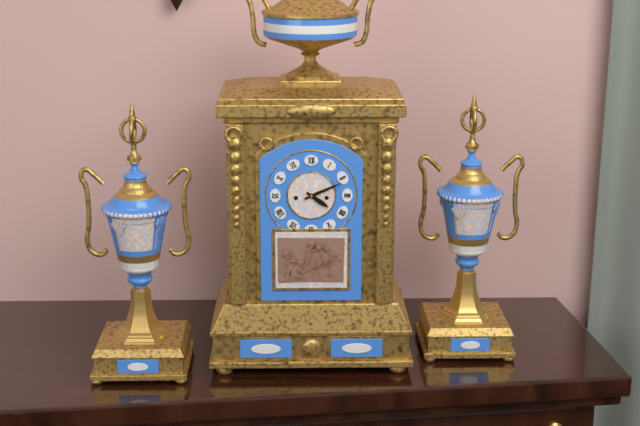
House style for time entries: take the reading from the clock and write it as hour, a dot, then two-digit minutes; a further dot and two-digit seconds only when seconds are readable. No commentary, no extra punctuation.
4.11
